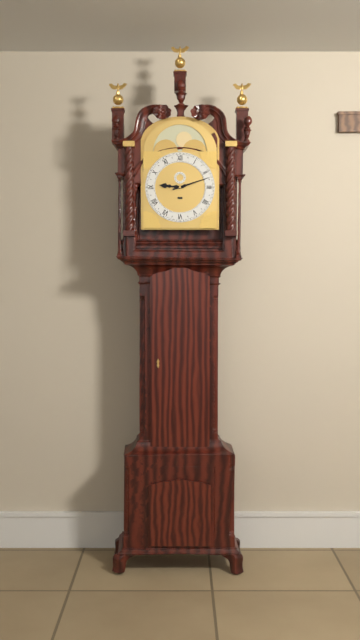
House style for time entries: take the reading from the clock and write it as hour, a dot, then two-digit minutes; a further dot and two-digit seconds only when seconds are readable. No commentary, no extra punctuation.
9.12
